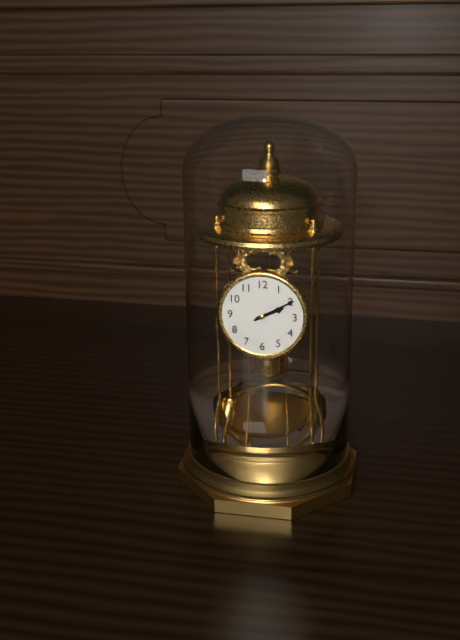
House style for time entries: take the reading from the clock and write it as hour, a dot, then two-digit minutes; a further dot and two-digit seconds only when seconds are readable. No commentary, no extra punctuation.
2.10
